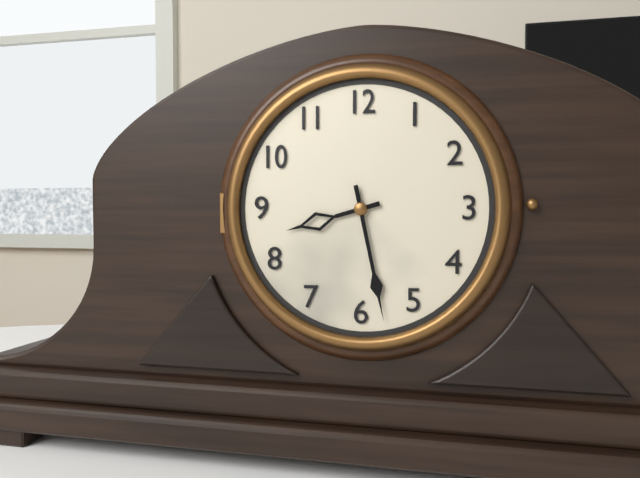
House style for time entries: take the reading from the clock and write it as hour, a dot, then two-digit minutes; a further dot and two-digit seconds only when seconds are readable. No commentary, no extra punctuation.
8.28
